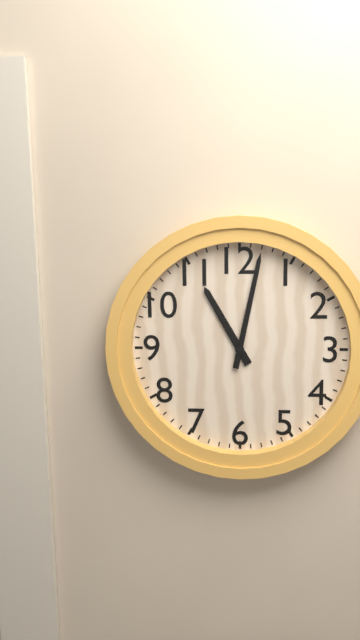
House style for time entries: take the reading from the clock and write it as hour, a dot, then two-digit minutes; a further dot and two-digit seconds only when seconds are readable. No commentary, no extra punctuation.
11.02
